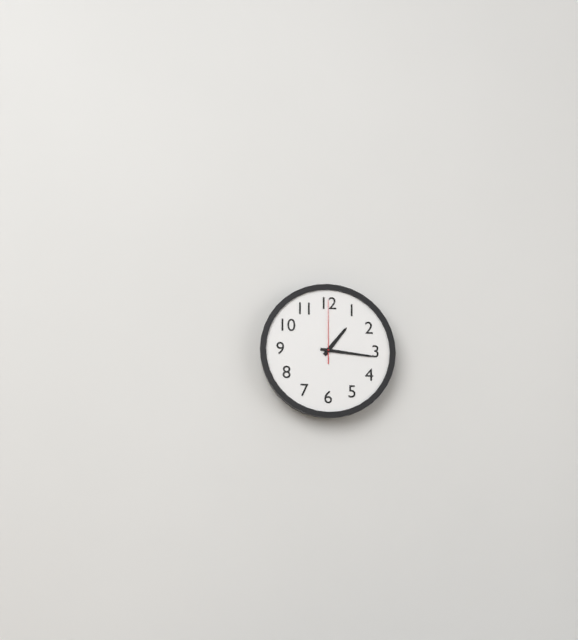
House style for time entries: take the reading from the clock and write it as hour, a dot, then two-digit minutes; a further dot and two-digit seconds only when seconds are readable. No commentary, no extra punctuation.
1.16.00
